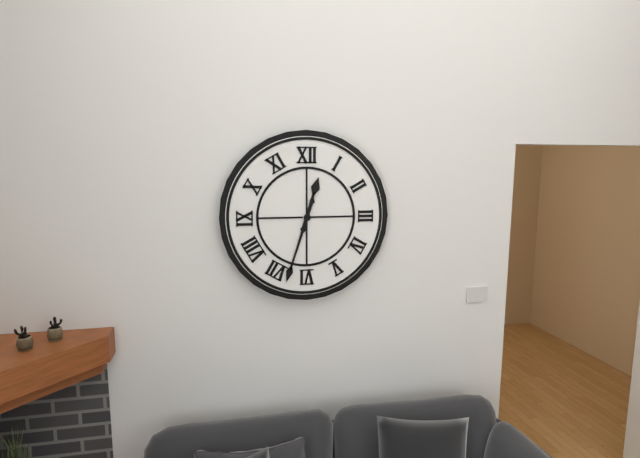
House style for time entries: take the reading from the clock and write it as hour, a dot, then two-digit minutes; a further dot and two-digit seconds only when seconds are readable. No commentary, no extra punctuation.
12.33
